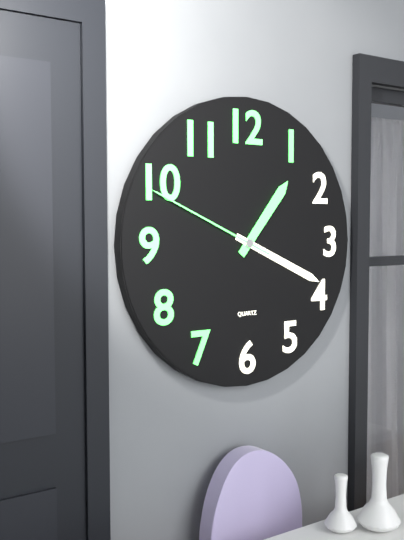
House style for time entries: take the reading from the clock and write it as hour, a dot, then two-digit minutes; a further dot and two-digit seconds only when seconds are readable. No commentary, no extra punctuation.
1.19.49
